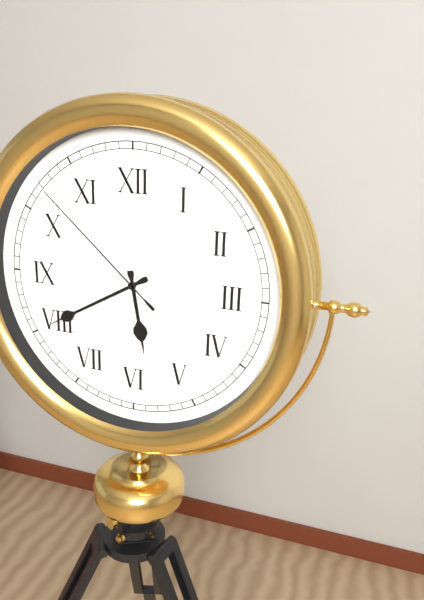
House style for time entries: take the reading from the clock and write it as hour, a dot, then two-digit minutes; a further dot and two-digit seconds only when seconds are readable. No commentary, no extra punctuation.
5.40.52
